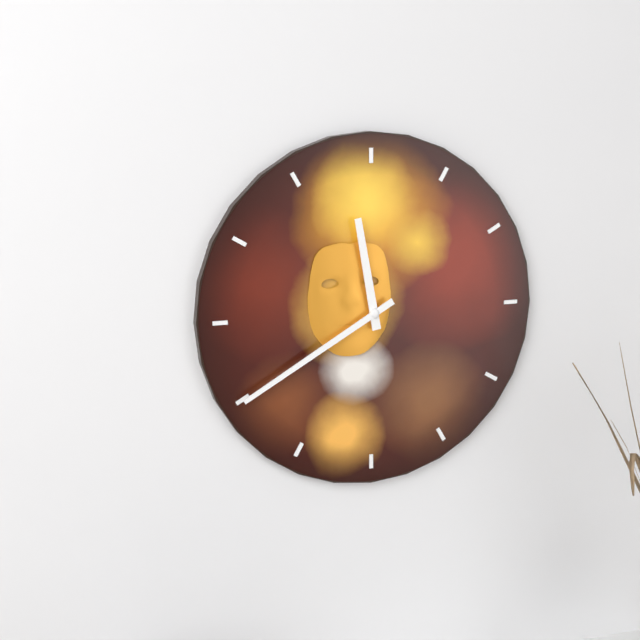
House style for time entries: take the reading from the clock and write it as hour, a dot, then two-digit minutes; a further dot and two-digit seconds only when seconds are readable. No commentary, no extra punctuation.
11.40
